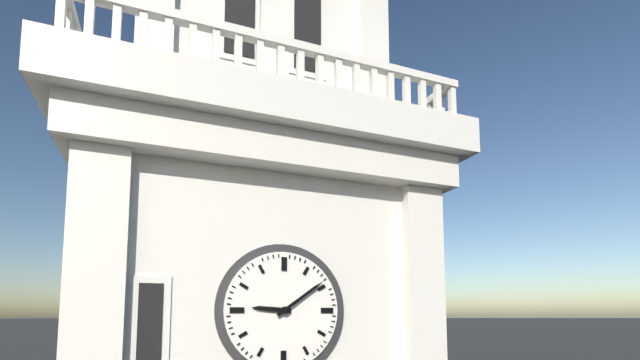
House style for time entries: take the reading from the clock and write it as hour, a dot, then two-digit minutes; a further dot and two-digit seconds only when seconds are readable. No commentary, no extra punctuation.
9.09
